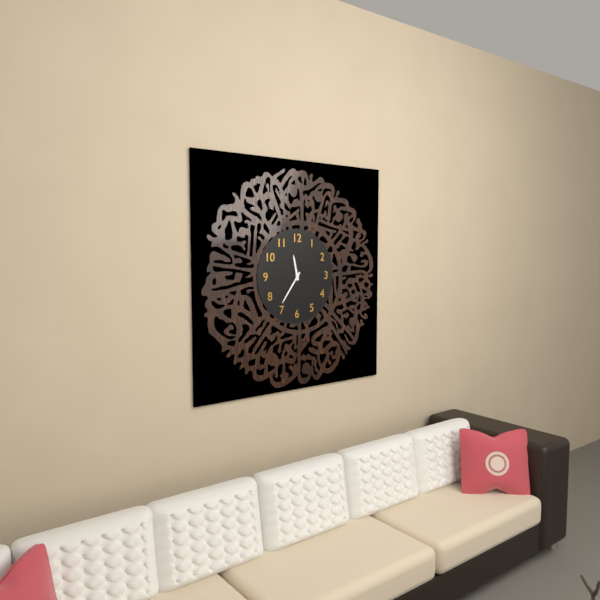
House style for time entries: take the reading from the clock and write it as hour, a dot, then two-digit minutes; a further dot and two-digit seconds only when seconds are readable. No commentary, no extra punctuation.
11.36
